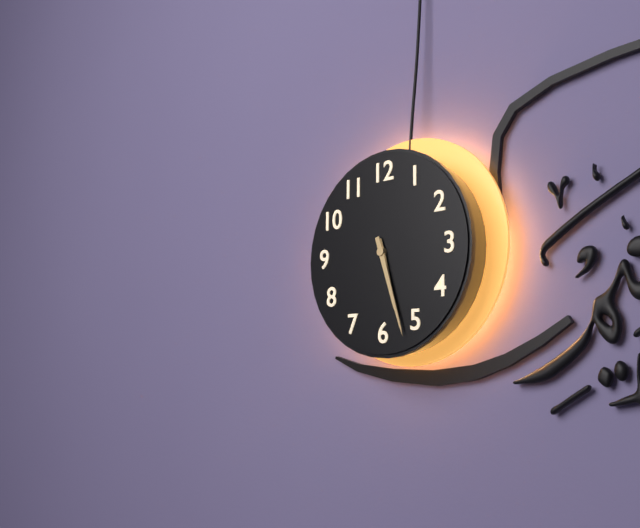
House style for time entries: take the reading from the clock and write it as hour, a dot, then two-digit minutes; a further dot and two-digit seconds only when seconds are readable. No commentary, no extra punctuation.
5.27
